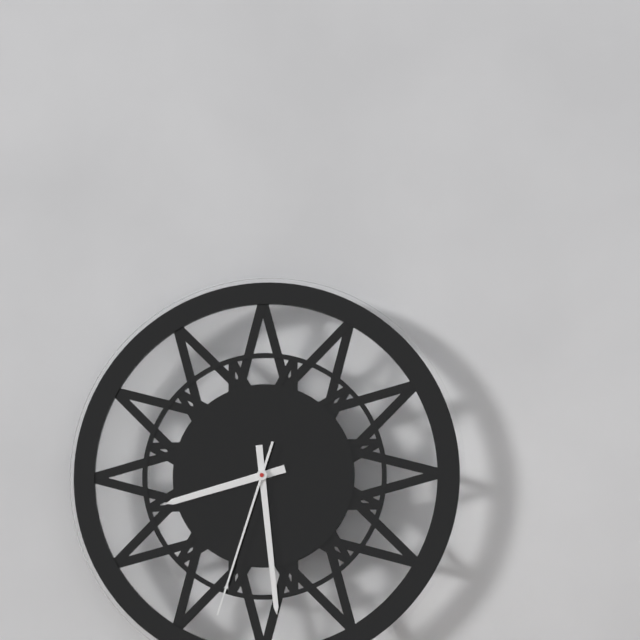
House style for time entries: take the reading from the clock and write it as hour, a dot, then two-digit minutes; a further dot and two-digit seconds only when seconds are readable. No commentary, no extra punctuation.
8.29.33
